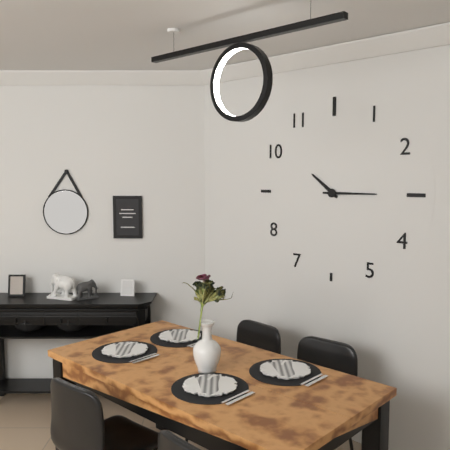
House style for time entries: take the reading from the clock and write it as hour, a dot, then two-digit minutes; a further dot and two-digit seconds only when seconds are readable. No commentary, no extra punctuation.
10.15
